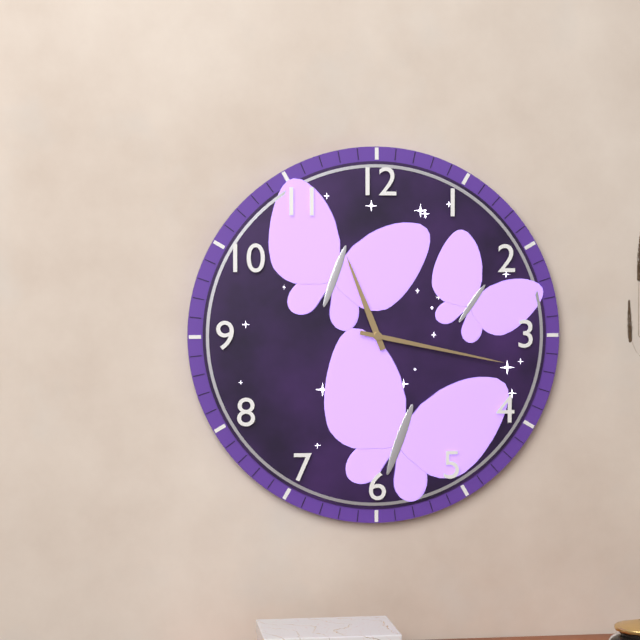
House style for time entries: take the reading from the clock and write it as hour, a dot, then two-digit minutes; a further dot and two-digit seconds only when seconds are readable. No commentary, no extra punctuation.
11.17
